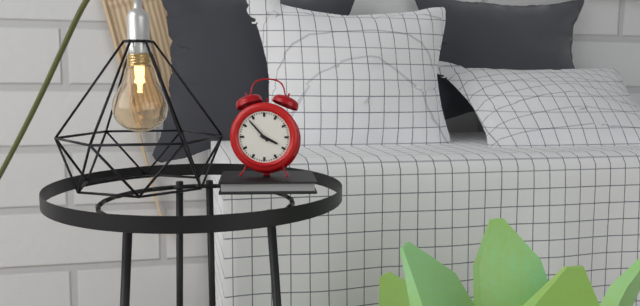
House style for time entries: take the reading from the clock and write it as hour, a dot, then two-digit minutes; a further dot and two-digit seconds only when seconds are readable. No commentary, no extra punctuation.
3.53
